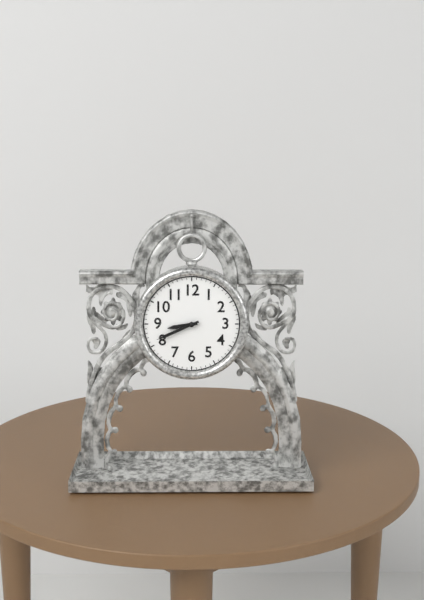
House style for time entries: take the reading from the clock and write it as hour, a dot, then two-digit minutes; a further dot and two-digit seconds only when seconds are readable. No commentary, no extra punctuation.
8.41
